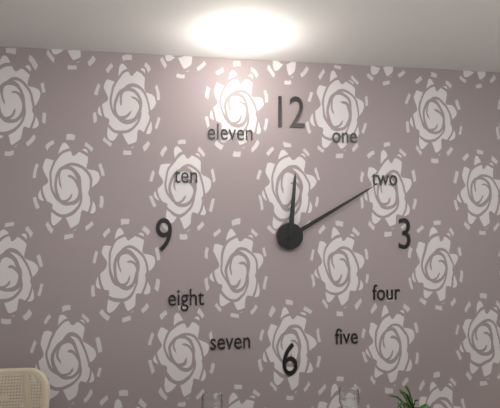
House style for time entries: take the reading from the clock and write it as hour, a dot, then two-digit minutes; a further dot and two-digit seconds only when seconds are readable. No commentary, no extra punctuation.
12.10
